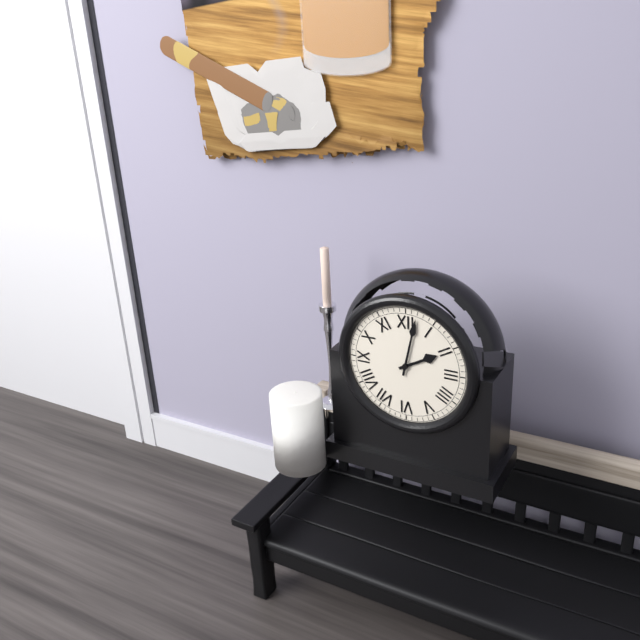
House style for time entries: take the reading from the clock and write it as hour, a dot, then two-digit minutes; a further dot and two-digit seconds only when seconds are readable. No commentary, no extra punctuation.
2.02
